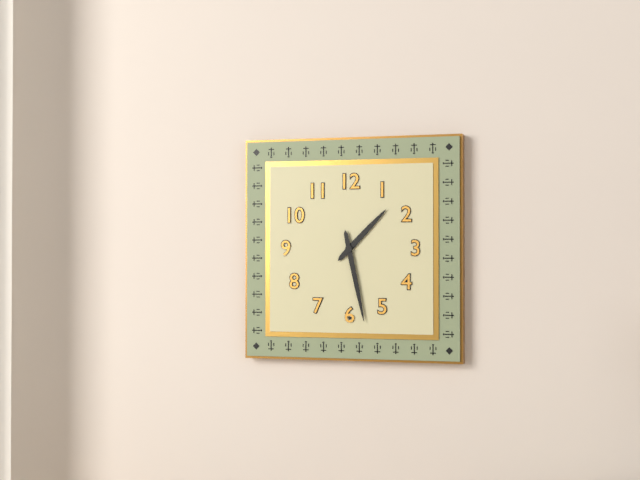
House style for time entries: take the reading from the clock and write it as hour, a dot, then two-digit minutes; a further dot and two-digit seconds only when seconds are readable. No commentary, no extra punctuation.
1.28
